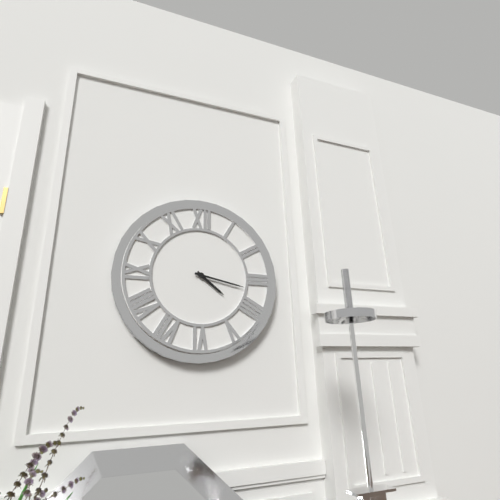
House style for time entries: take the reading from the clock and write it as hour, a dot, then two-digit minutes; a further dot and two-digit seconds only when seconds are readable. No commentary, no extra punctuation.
4.17
